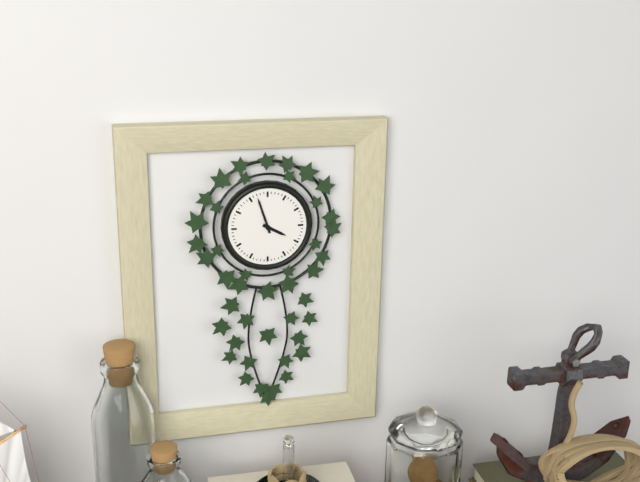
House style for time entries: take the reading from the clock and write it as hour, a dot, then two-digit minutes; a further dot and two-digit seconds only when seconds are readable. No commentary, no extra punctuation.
3.57
